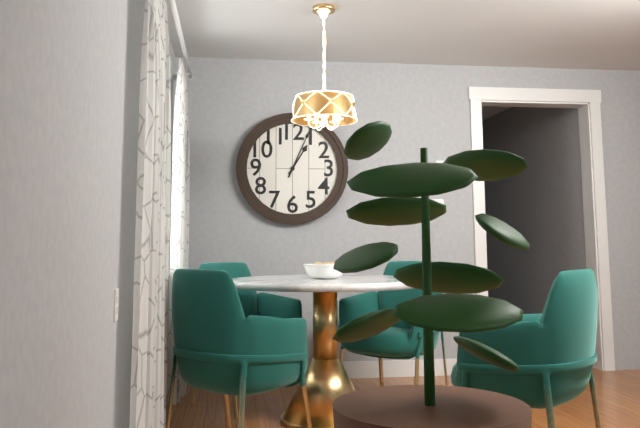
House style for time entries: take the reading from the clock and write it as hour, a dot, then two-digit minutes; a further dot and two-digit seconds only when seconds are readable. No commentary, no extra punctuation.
1.04
